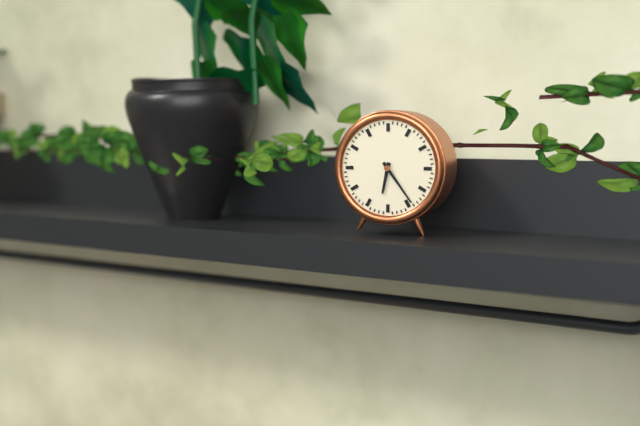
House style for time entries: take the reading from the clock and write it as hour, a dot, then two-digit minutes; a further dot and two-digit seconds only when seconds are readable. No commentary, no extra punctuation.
6.24
